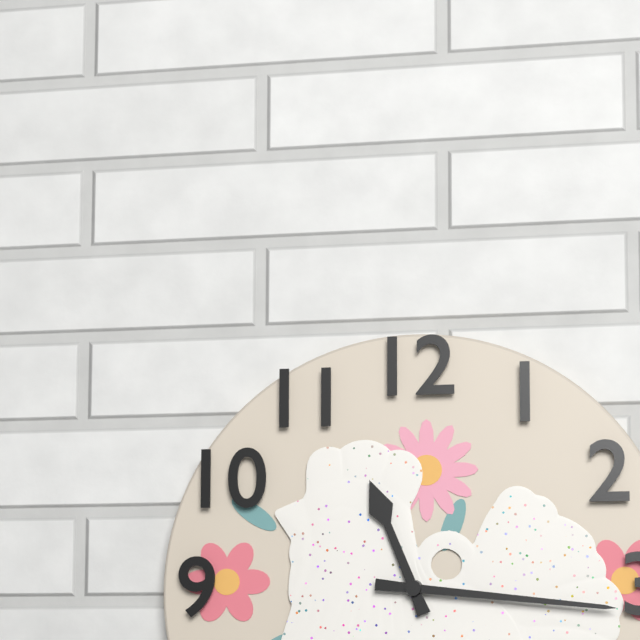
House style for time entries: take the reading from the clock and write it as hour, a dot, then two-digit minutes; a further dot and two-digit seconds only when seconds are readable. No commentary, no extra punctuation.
11.16
